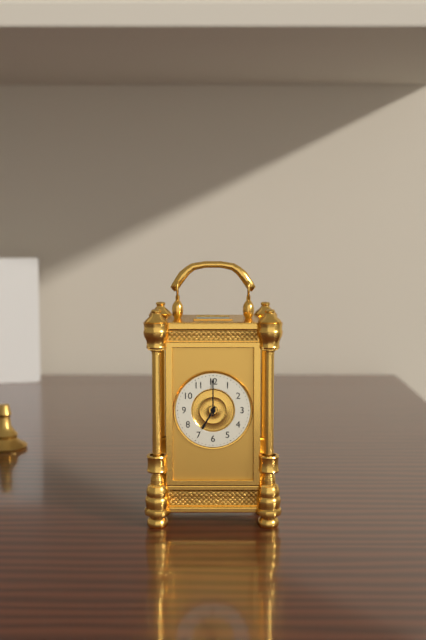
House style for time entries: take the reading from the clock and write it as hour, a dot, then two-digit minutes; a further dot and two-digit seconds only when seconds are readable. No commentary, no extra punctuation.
7.00
